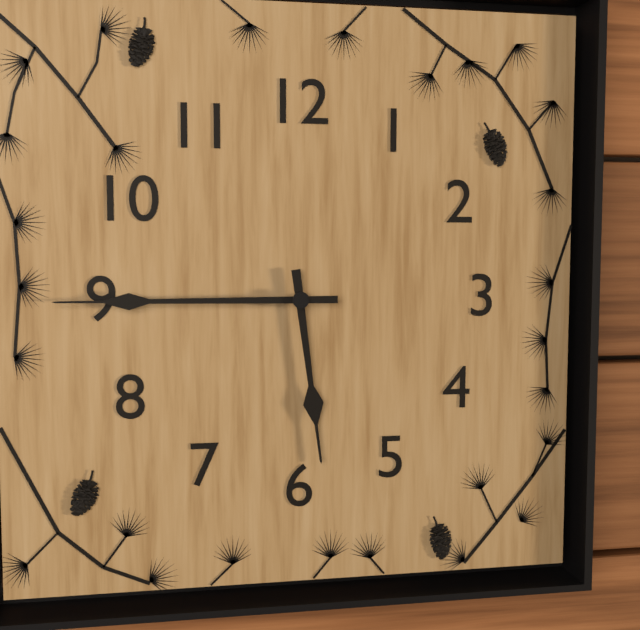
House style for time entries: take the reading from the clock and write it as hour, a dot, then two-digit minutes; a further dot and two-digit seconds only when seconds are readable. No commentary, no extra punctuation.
5.45
